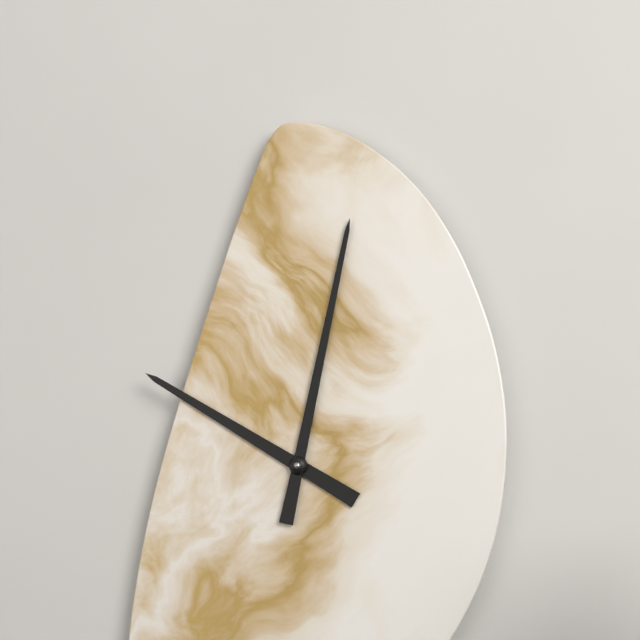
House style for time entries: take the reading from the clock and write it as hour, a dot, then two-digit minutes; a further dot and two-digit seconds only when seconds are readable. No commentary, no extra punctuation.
10.02
